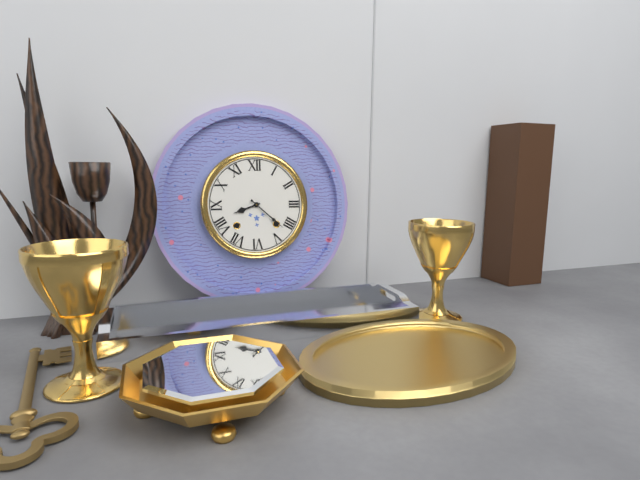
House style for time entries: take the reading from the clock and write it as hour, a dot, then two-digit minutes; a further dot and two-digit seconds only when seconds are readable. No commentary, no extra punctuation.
8.22
